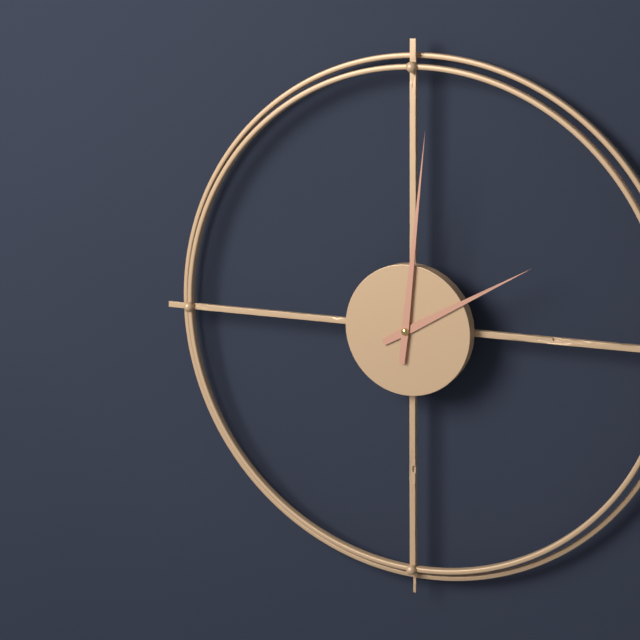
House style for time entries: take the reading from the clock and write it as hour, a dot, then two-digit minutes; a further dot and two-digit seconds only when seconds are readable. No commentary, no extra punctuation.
2.01
